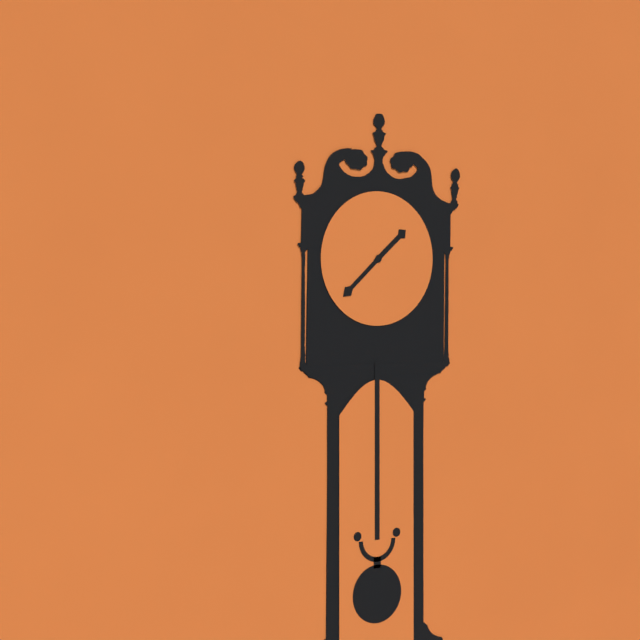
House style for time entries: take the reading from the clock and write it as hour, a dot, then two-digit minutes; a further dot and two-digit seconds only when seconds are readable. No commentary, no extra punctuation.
1.38
